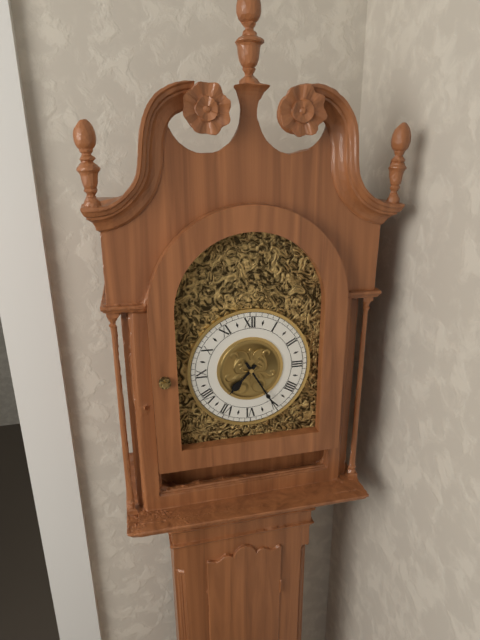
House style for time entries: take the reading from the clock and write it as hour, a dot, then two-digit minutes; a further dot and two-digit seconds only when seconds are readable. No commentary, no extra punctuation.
7.25
